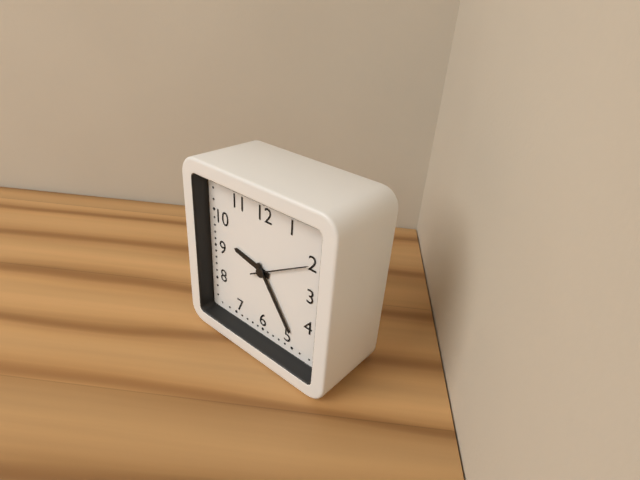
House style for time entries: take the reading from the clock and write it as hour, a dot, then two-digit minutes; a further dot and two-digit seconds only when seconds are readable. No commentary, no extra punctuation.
9.24.10
